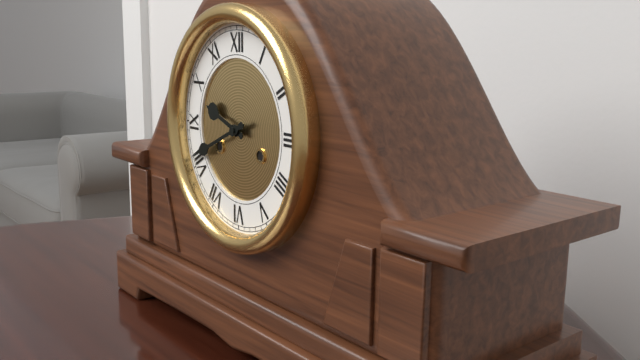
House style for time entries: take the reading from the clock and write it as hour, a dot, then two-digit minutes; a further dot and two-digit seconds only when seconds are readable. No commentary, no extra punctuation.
9.41
